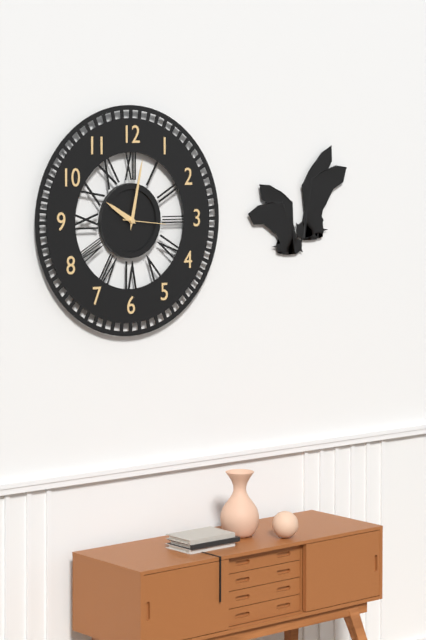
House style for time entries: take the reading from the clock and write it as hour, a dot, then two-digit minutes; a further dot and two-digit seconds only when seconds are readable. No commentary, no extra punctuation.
10.02
